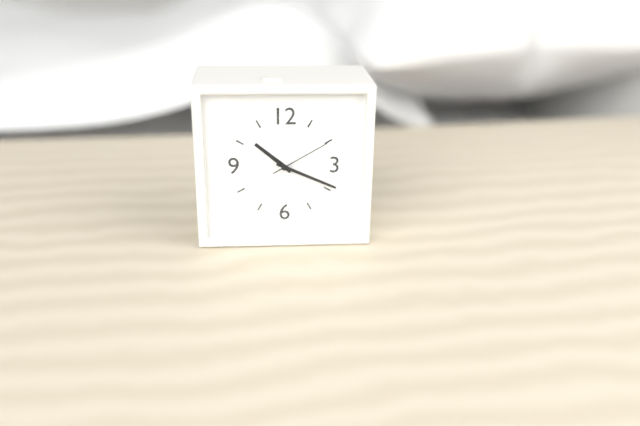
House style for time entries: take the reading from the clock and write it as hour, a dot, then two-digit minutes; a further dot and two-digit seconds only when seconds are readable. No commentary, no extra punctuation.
10.19.10
